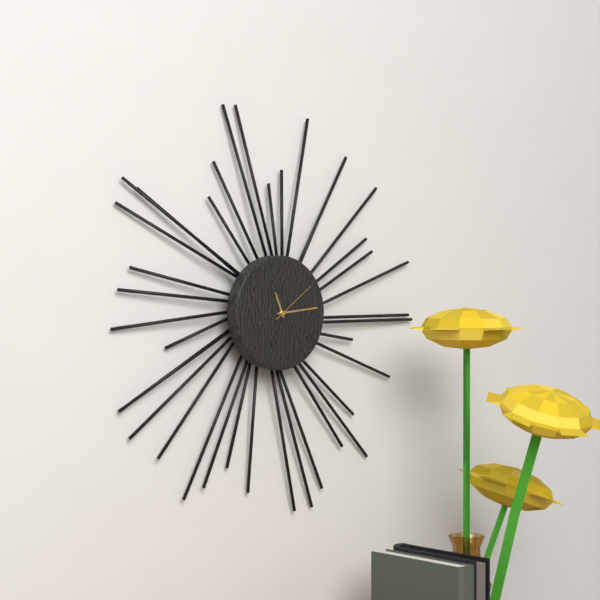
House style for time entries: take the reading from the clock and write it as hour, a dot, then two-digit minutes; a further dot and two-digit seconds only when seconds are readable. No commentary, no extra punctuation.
11.14
